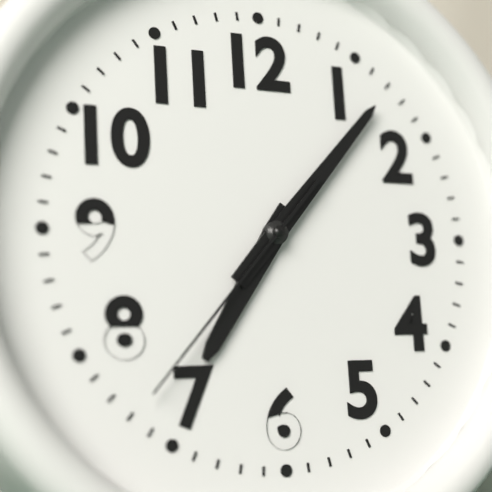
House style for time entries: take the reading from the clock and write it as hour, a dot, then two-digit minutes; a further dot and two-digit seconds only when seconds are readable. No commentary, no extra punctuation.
7.07.37
